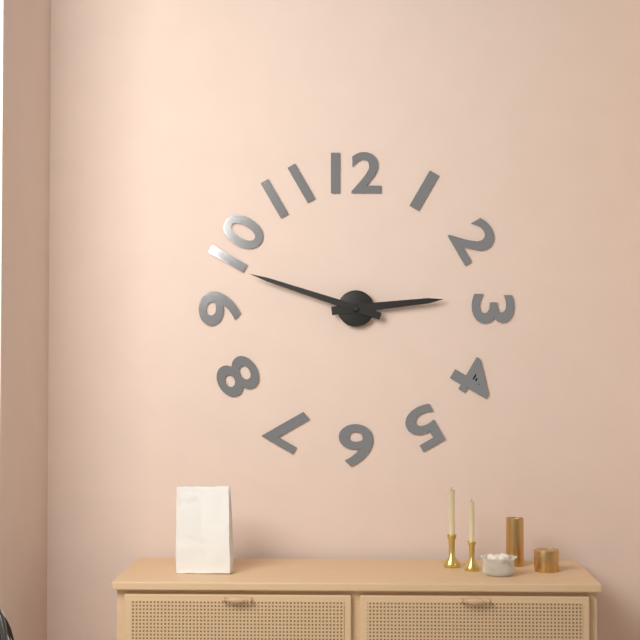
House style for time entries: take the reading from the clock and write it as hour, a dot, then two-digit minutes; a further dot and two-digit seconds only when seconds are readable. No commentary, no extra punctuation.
2.48
